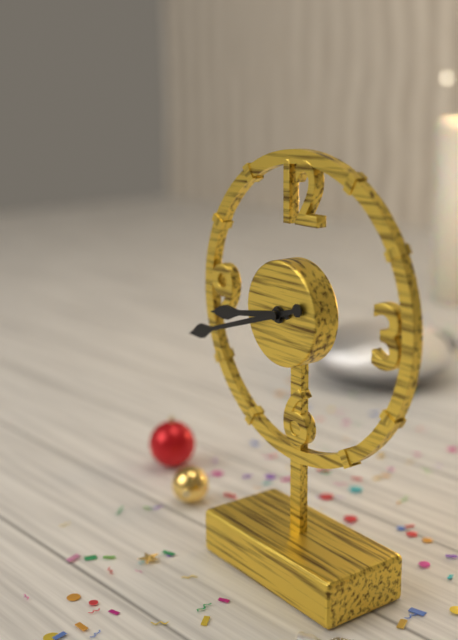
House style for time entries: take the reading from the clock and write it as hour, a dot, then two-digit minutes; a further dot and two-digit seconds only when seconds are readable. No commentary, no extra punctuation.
8.42
